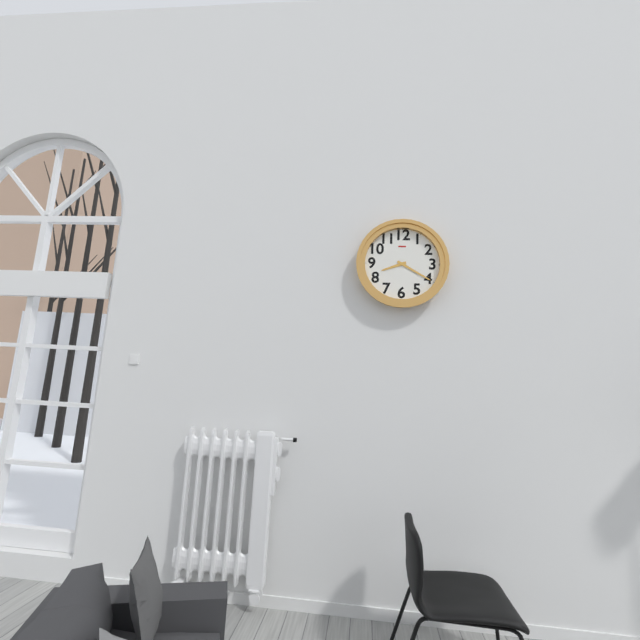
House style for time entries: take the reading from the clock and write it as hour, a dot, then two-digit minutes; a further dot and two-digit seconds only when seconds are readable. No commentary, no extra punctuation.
8.20
